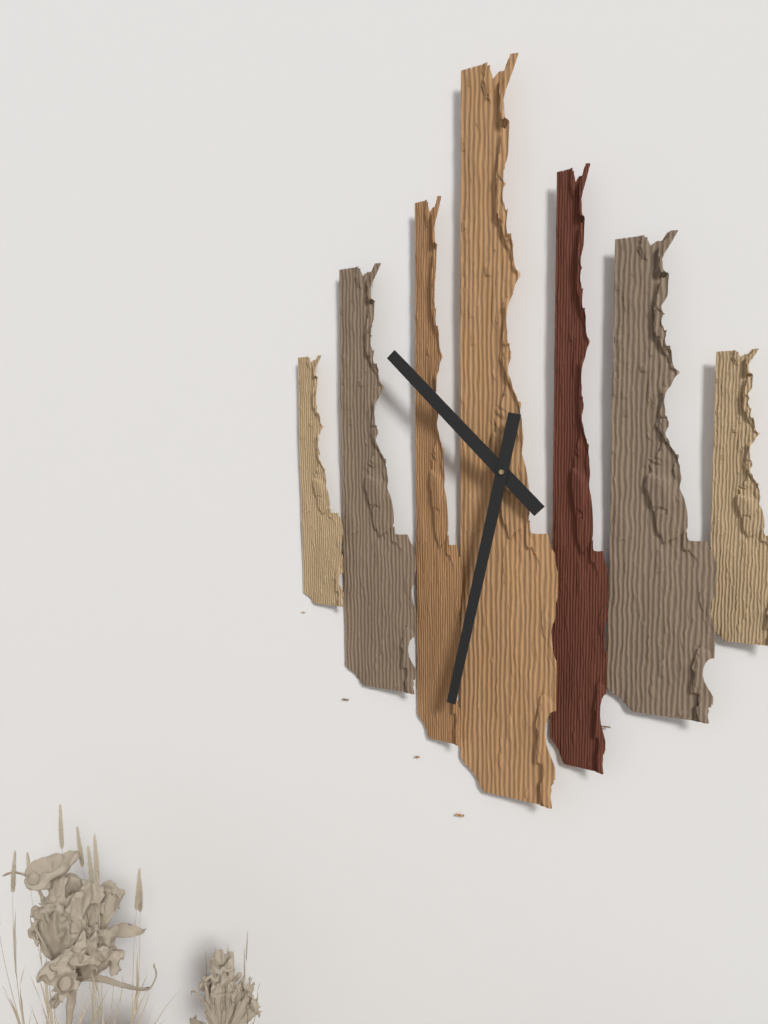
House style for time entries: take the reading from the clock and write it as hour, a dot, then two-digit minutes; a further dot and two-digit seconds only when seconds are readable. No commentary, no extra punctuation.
10.32
